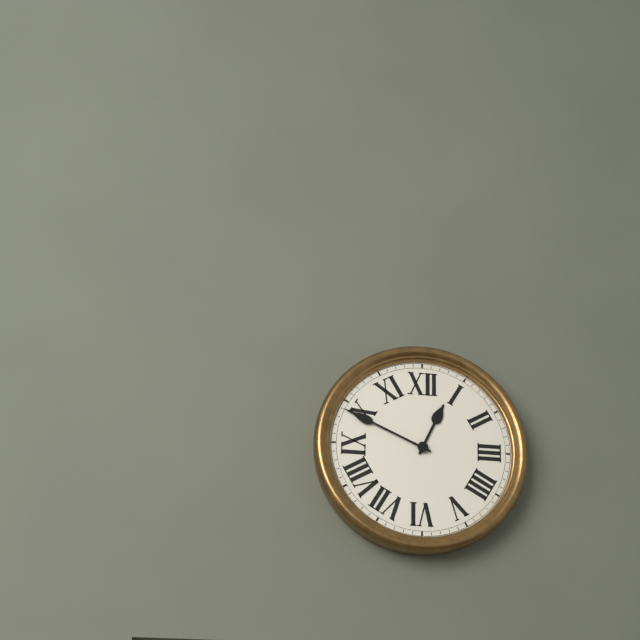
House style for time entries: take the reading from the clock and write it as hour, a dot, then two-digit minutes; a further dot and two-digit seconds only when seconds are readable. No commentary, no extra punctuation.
12.49
